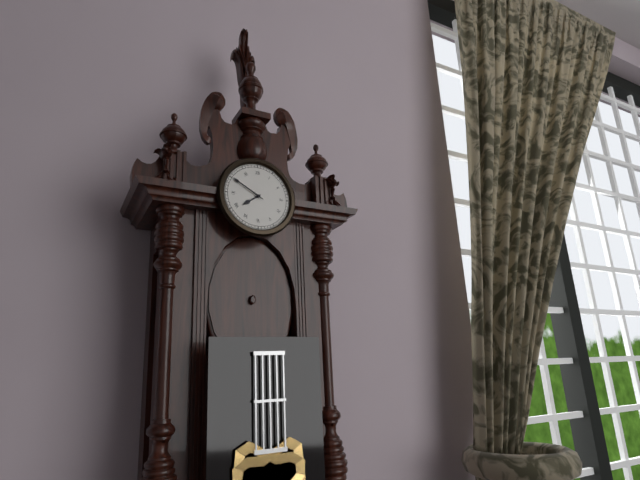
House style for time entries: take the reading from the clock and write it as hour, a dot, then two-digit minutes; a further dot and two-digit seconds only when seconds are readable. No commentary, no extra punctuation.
7.50
